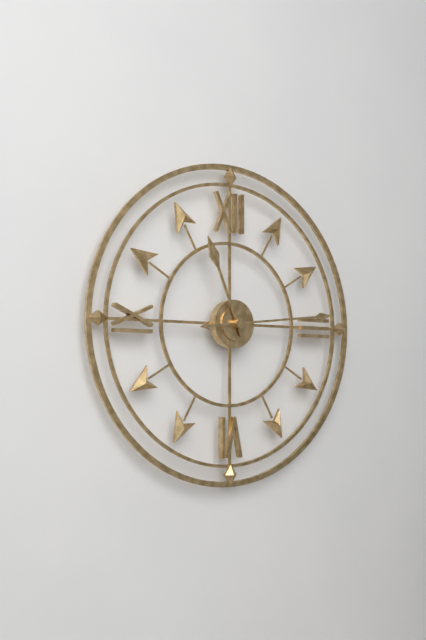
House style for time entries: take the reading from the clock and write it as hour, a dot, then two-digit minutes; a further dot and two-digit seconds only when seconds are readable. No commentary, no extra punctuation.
11.14
